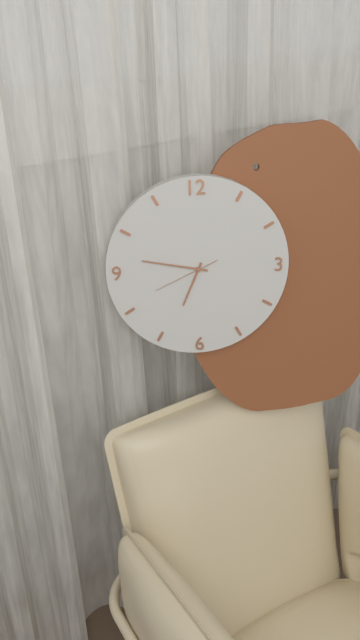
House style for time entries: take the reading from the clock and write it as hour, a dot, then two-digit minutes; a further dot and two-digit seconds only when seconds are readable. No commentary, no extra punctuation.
6.47.41
